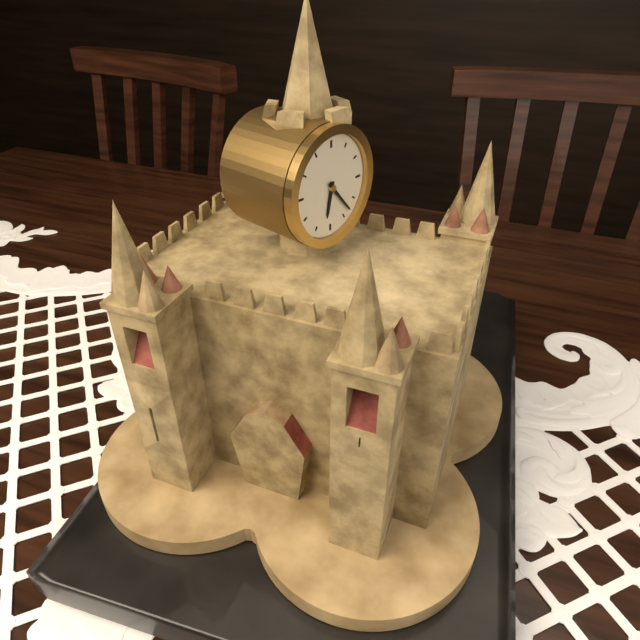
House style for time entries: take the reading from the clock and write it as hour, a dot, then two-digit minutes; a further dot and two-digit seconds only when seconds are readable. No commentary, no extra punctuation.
6.23
